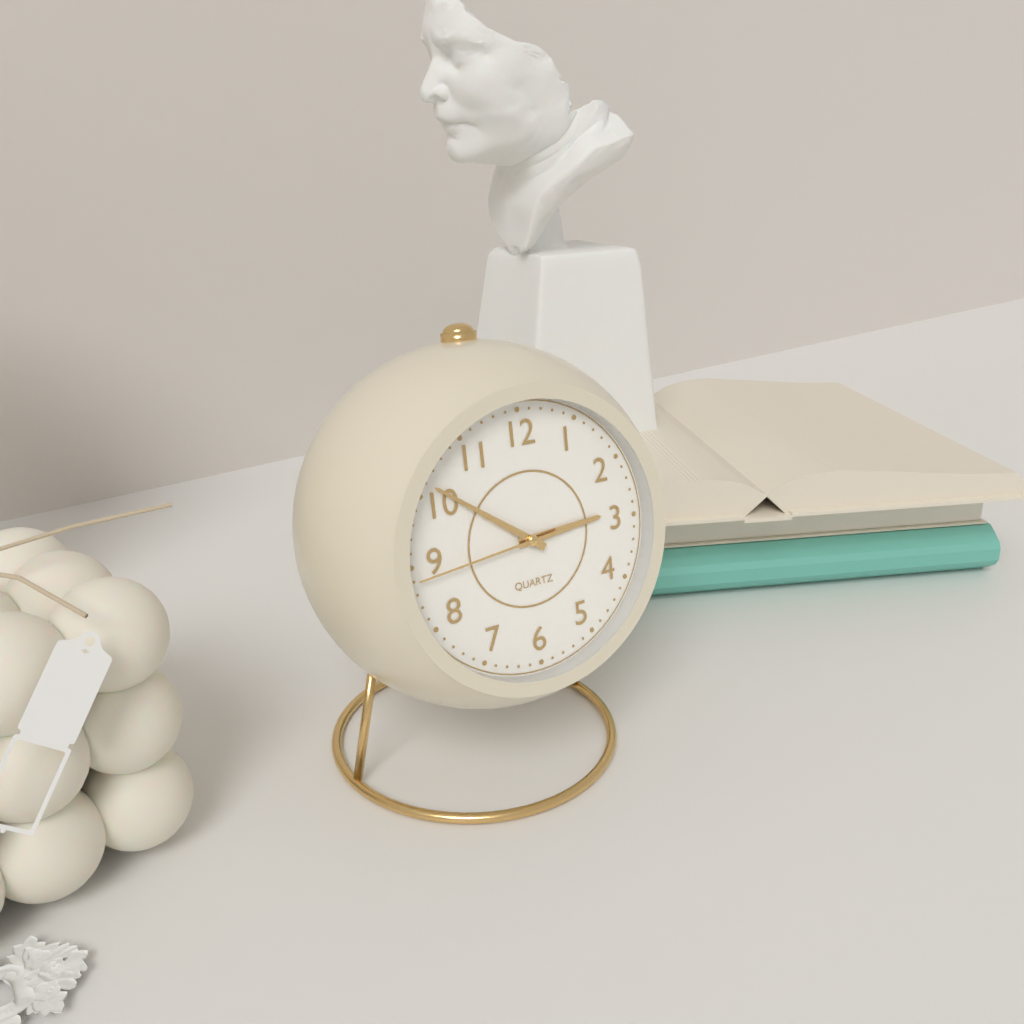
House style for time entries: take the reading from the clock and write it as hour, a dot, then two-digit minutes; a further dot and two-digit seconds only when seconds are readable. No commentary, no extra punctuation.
2.51.44
